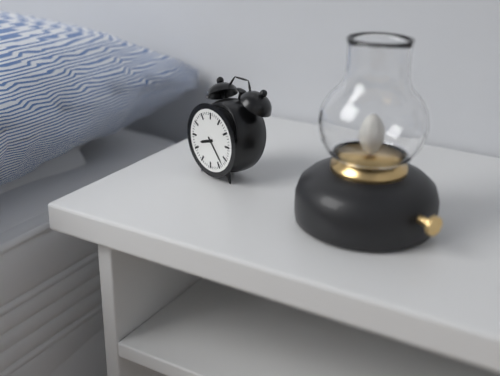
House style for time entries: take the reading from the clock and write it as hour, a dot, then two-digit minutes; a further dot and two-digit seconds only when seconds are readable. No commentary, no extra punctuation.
8.23
